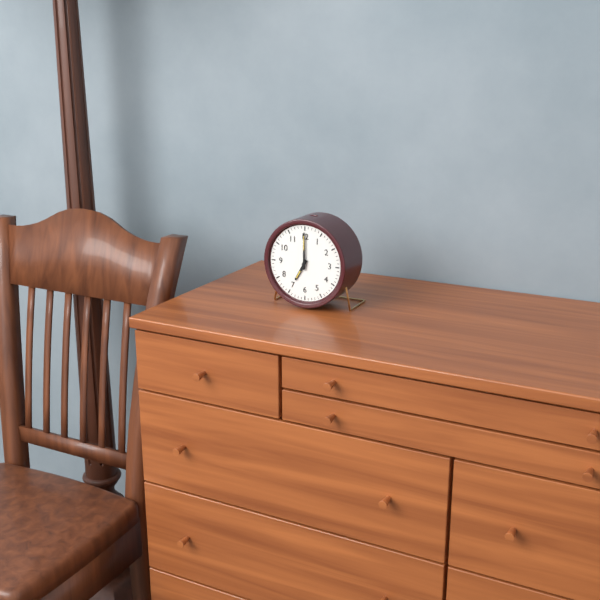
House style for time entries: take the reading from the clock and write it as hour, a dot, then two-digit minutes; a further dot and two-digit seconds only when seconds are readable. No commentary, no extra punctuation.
7.00
